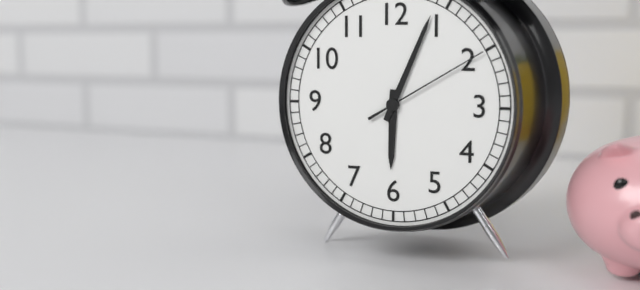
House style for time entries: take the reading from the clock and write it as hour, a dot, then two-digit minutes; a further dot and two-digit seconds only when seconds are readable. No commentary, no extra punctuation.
6.04.10
